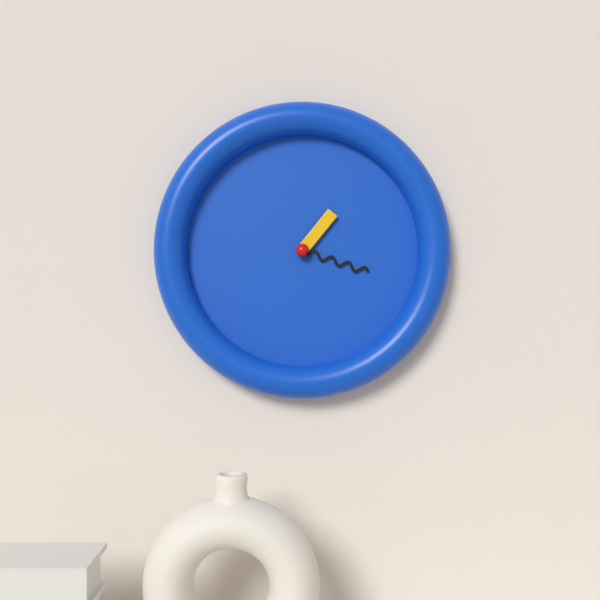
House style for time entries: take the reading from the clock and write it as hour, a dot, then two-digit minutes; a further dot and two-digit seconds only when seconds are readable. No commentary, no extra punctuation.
1.18
